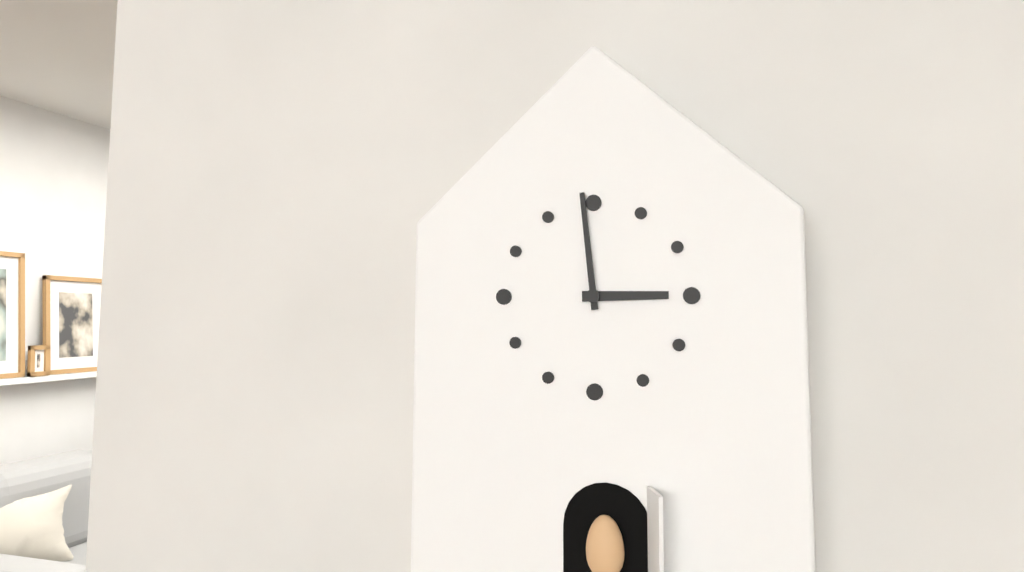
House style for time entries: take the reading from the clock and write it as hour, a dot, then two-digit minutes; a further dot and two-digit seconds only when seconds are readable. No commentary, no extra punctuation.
2.59
